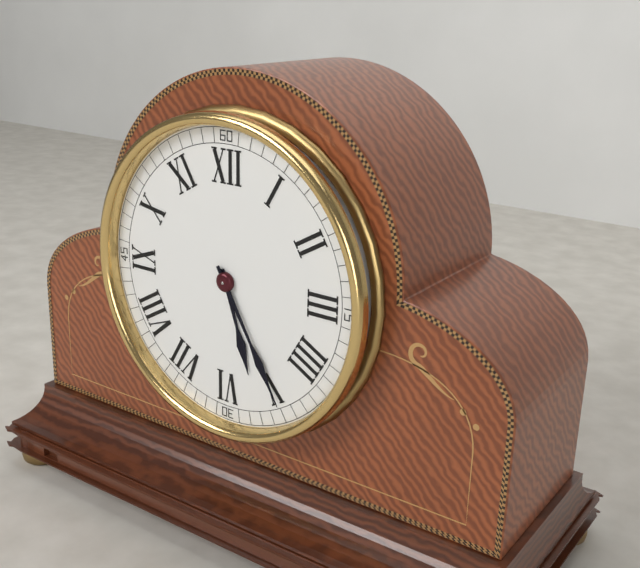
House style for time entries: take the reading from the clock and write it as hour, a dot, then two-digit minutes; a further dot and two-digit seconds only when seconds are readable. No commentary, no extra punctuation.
5.25
